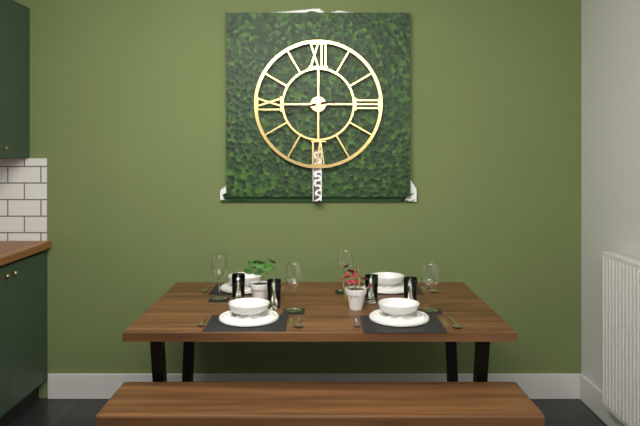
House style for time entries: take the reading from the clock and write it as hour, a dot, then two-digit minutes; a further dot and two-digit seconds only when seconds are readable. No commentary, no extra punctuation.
2.43
